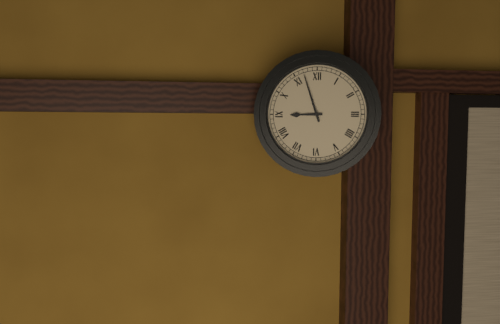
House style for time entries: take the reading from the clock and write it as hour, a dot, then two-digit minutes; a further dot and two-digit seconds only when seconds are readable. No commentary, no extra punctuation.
8.57
